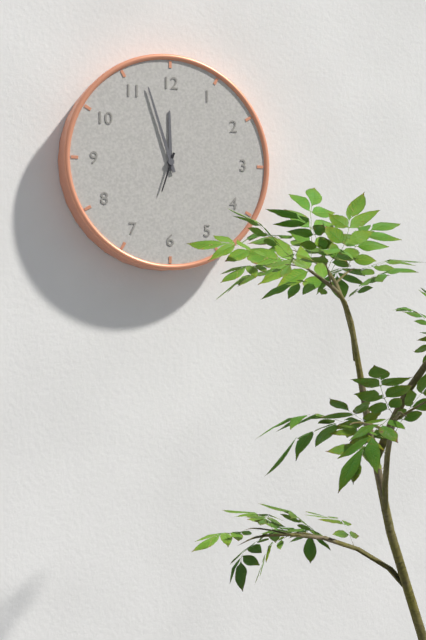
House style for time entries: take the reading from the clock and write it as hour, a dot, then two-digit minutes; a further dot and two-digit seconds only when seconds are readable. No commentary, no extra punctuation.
11.57
